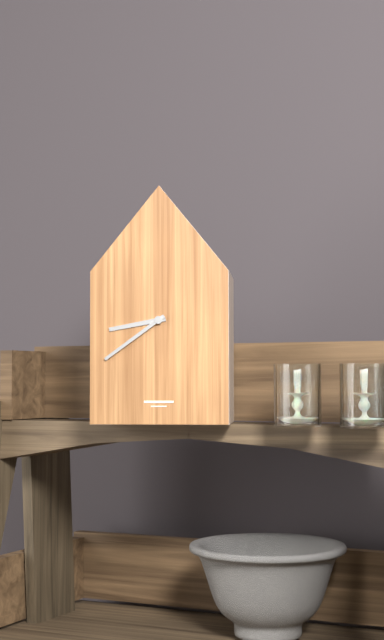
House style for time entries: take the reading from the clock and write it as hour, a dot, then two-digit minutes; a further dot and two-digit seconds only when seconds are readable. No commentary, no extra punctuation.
8.39
